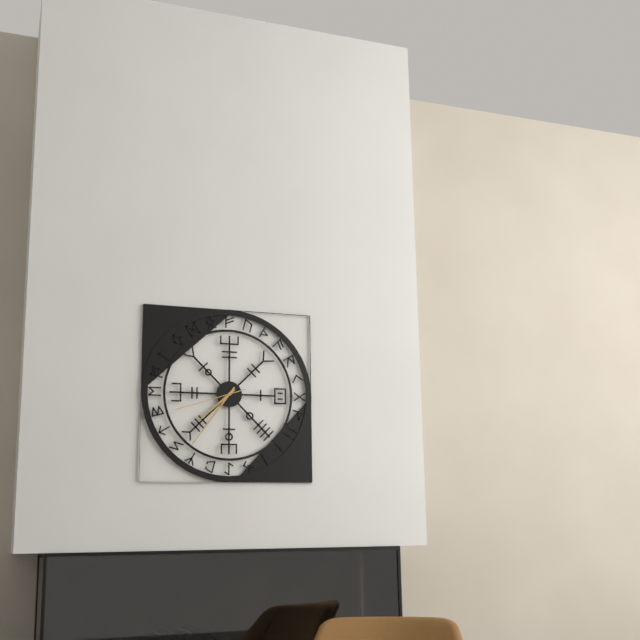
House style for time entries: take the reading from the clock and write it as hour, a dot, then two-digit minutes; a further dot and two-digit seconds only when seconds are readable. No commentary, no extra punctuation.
7.36.42
